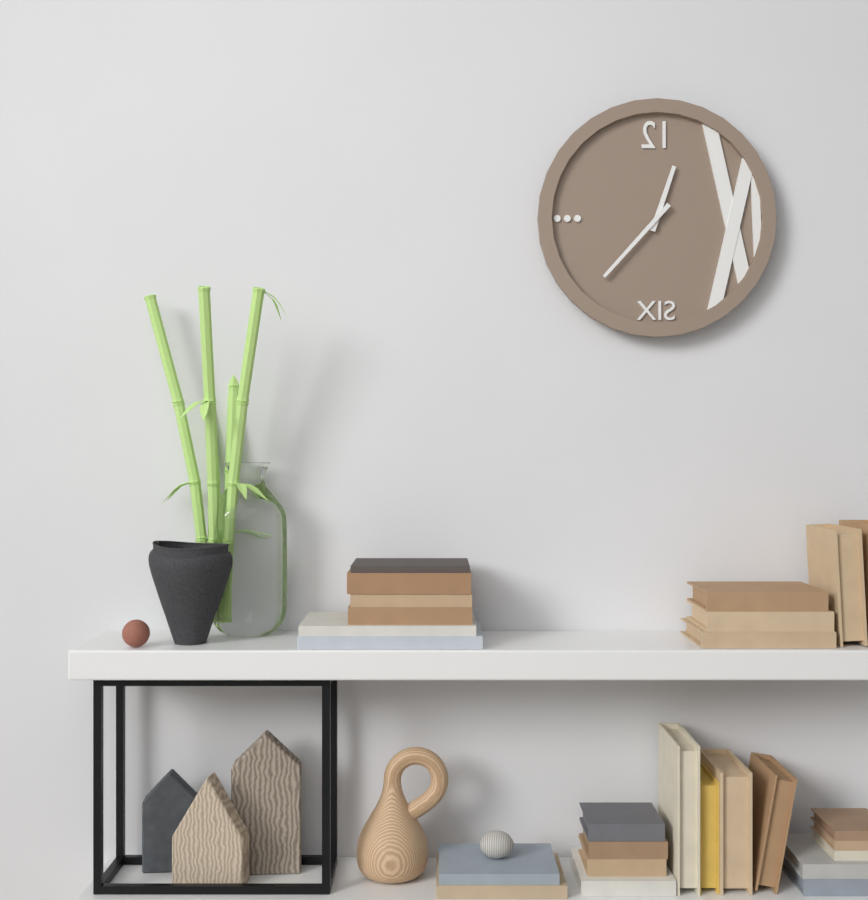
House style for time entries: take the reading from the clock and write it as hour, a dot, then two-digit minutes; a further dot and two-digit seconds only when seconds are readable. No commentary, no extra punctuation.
12.37
